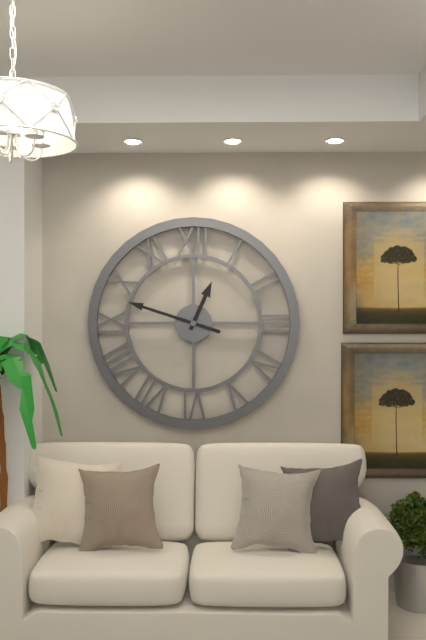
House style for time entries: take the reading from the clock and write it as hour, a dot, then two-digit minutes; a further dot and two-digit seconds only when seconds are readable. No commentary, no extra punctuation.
12.48
